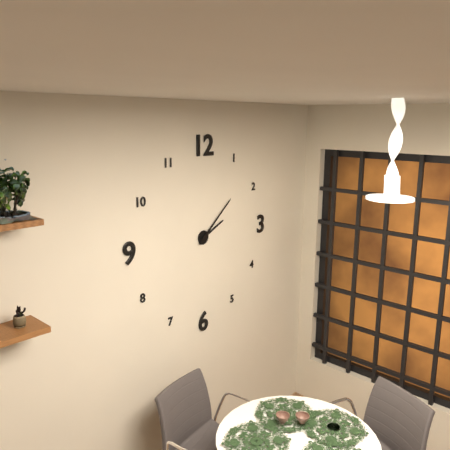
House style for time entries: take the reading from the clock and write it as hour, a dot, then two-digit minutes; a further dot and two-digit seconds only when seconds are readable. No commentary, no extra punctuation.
2.08
